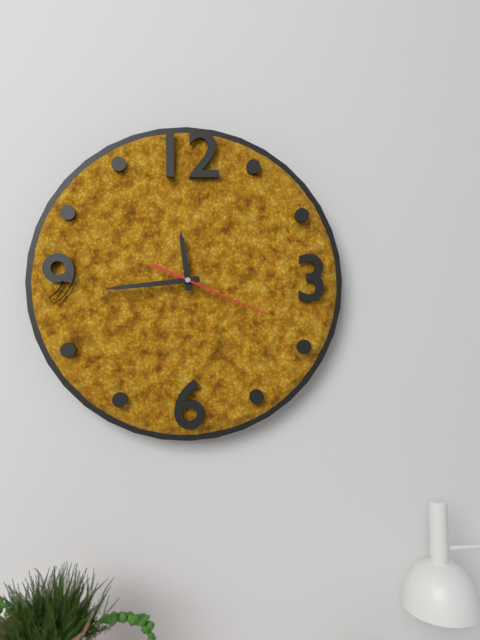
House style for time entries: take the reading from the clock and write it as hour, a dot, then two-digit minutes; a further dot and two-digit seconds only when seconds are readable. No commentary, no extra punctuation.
11.44.19
